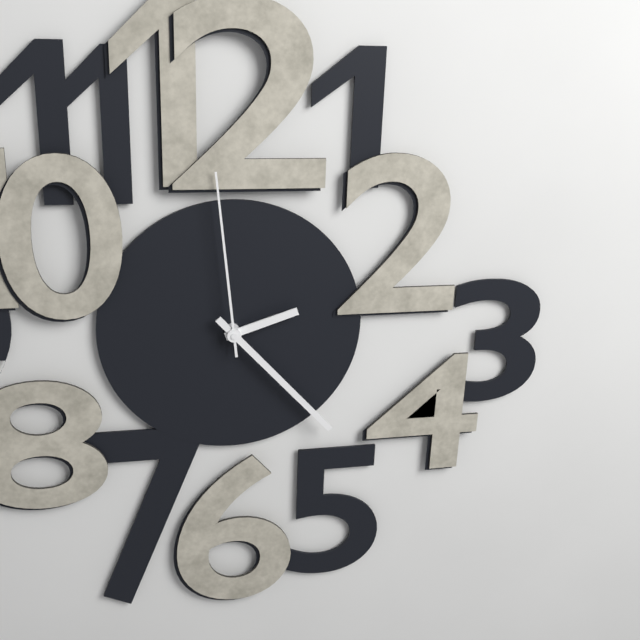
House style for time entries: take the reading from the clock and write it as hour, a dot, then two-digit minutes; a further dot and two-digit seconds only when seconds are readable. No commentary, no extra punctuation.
2.23.59
